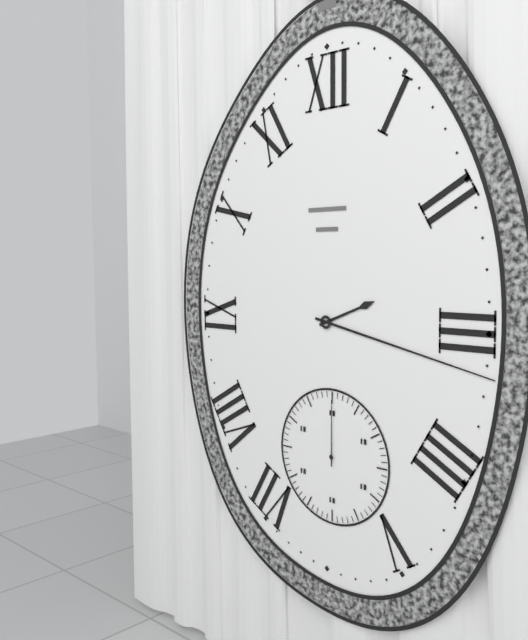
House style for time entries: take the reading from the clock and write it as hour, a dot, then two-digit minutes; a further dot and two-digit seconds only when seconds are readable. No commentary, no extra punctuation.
2.17.00
